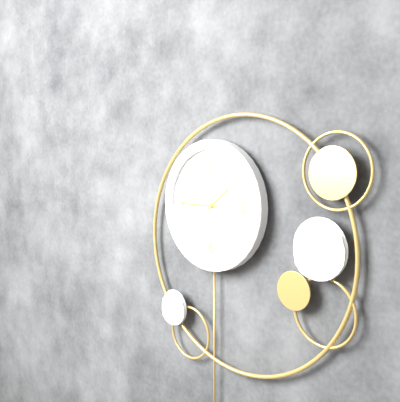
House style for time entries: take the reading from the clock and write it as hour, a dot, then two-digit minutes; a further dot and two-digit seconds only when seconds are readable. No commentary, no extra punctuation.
1.45
